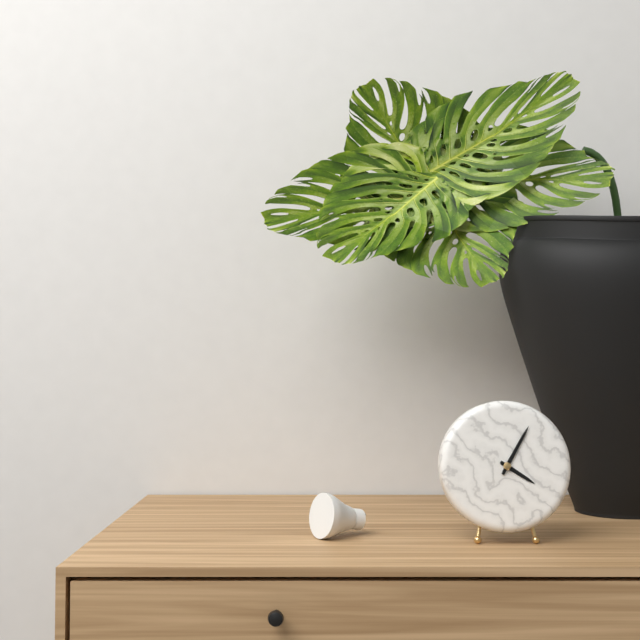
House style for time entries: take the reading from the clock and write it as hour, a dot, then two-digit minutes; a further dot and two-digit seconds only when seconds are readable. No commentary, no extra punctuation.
4.05
